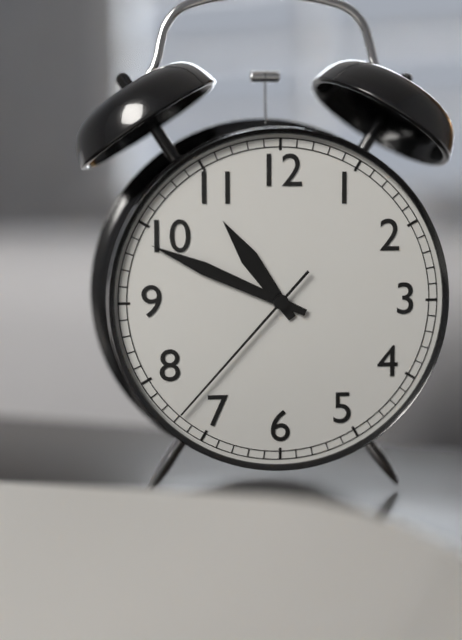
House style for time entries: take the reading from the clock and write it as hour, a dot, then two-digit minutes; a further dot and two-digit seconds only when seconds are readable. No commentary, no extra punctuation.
10.49.37
